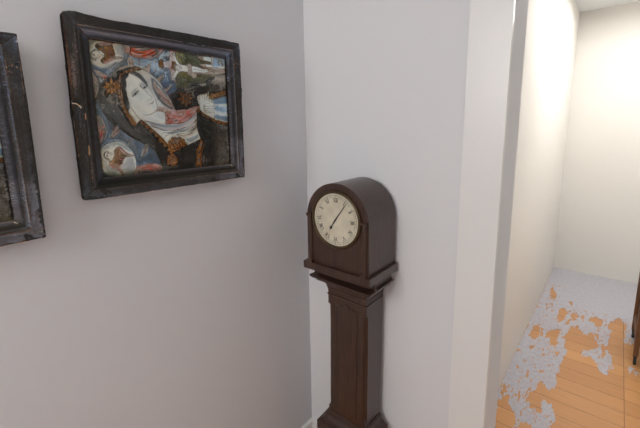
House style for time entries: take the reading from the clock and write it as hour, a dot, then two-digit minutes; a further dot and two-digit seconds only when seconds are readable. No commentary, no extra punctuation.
7.06
